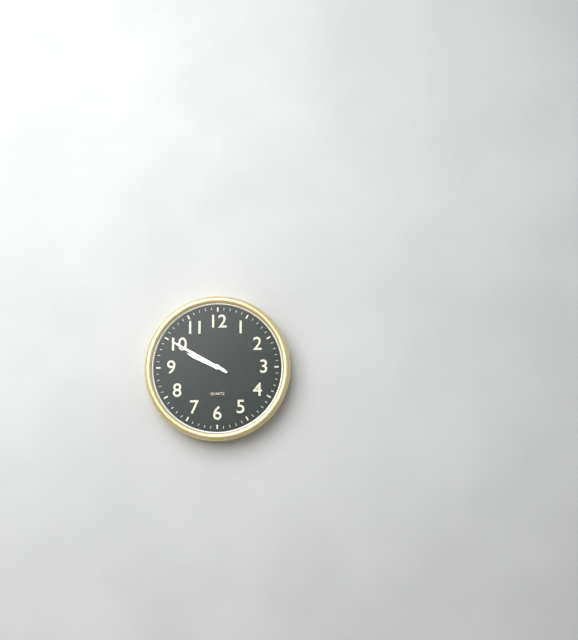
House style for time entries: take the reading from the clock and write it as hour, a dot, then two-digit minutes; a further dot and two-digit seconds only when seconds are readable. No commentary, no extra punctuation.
9.50
